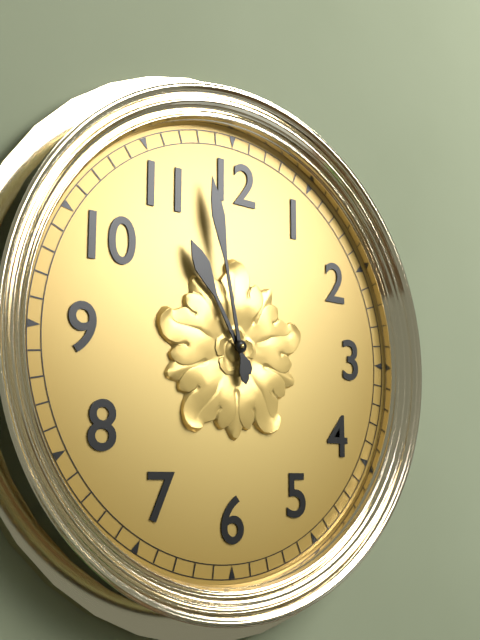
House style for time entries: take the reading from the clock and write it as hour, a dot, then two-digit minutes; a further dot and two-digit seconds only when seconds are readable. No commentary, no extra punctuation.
10.58
